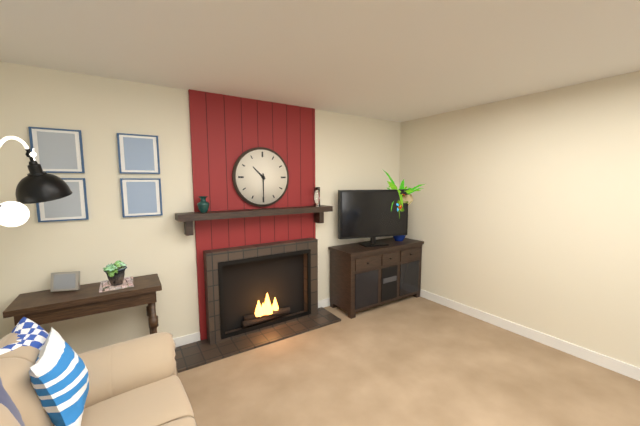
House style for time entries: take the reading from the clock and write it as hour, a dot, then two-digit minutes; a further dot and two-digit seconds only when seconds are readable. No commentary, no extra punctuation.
10.30
